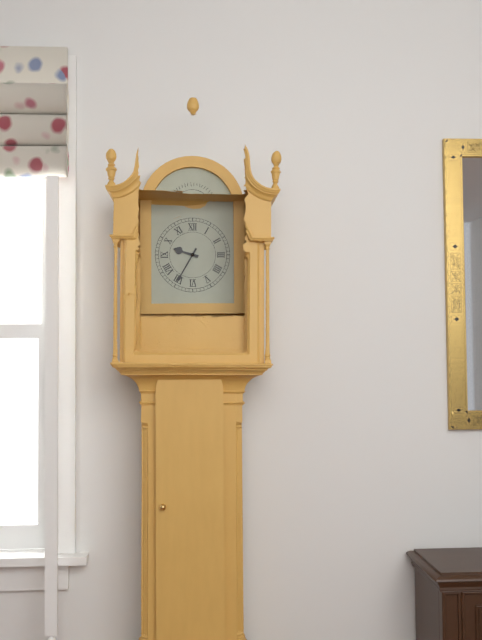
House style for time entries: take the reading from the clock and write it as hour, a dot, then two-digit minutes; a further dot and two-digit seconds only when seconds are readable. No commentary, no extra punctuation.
9.35
